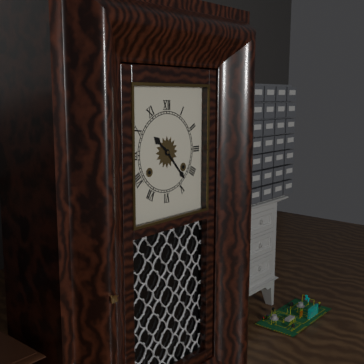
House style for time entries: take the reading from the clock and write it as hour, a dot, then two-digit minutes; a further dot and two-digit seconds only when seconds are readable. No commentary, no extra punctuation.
10.23
